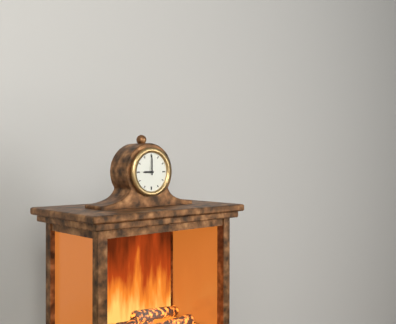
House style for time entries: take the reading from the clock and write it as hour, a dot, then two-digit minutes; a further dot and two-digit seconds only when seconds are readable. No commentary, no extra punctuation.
9.00
